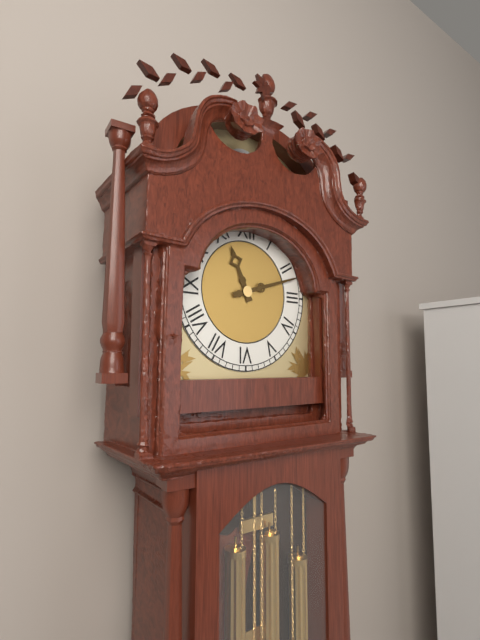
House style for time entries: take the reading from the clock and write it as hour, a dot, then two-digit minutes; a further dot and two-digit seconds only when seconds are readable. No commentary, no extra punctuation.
11.12
